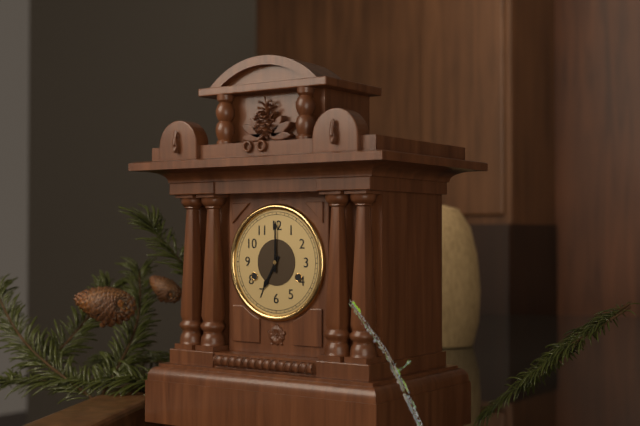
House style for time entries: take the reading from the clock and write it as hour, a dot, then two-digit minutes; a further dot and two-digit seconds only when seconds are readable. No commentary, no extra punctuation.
7.00
